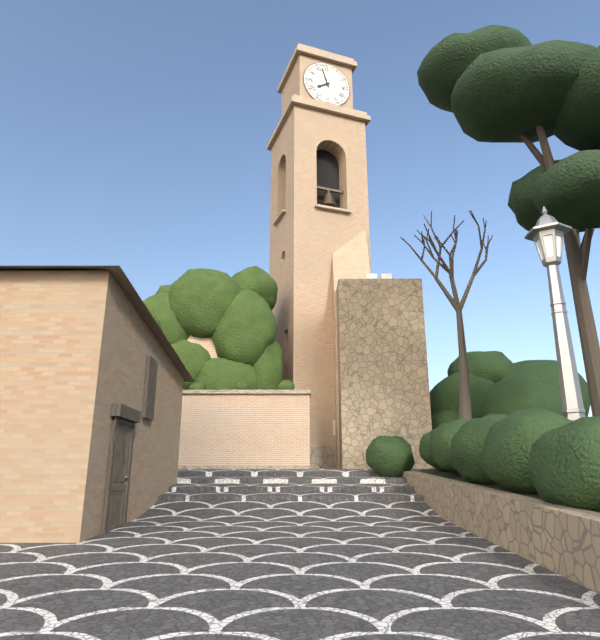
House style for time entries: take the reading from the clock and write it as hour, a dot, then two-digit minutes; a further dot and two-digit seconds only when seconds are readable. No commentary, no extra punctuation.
7.57
